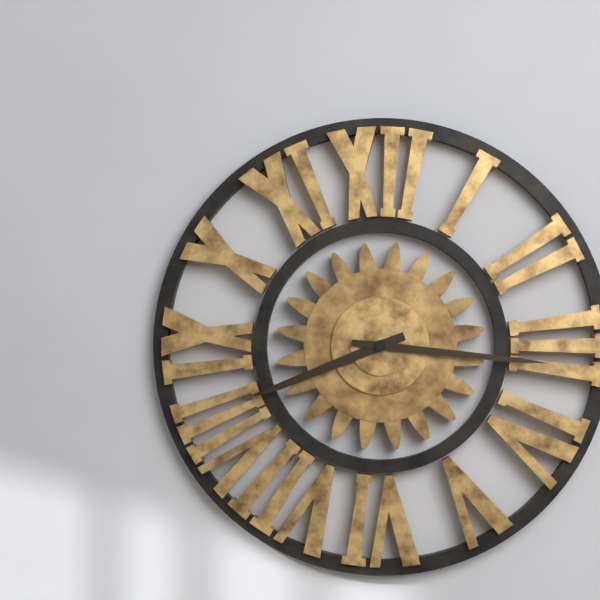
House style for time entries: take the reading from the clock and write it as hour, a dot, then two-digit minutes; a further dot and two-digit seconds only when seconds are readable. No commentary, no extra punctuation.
8.16
